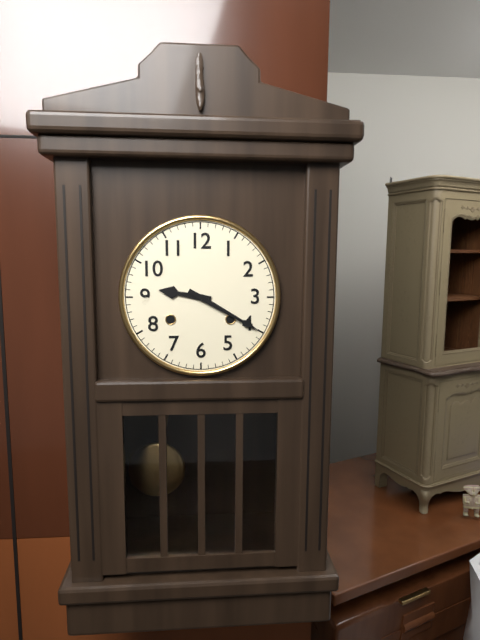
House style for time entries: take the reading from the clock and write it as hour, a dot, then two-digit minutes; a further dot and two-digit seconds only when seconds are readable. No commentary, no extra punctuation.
9.20
